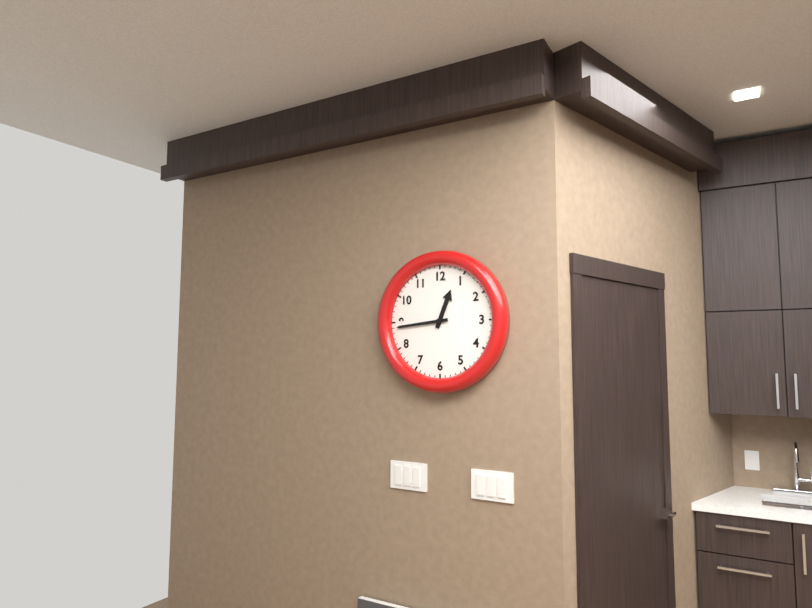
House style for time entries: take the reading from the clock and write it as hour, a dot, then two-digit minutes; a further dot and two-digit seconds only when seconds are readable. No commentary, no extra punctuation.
12.44
